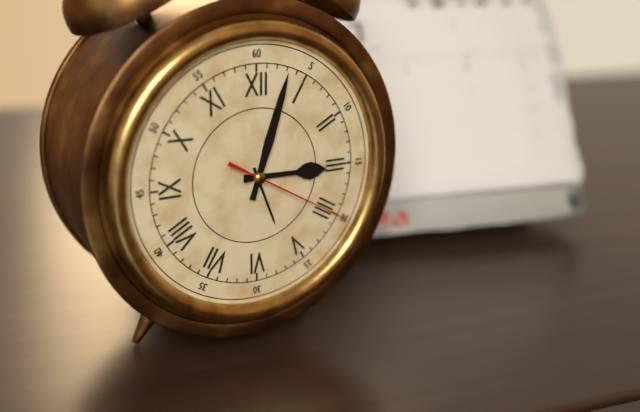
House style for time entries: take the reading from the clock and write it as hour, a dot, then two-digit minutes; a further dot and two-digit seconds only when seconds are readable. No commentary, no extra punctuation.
3.03.20
